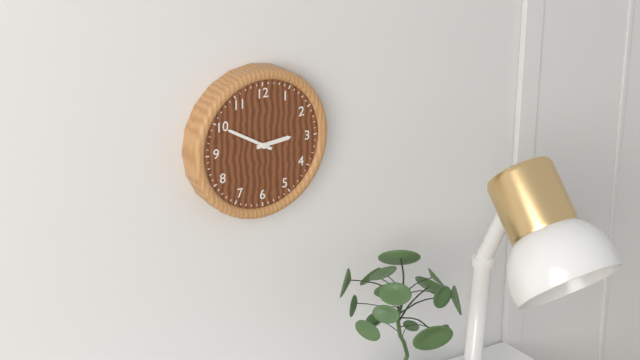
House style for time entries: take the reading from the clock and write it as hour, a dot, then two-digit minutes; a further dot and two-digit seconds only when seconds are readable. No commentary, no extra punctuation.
2.50
